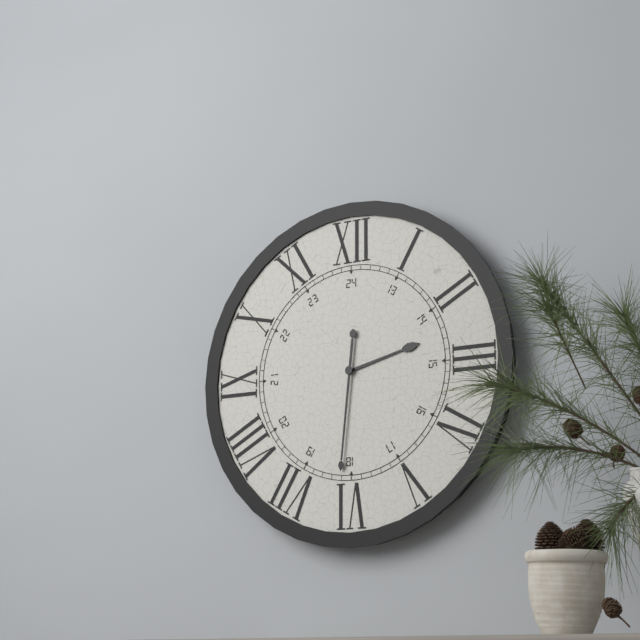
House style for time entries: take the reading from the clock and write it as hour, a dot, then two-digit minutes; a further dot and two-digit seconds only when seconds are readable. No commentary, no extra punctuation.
2.31
